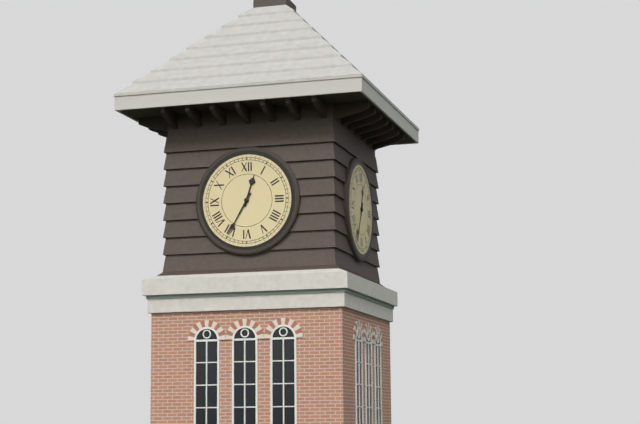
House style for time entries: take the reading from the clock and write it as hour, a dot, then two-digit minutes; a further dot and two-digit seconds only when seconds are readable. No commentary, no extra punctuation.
12.35
